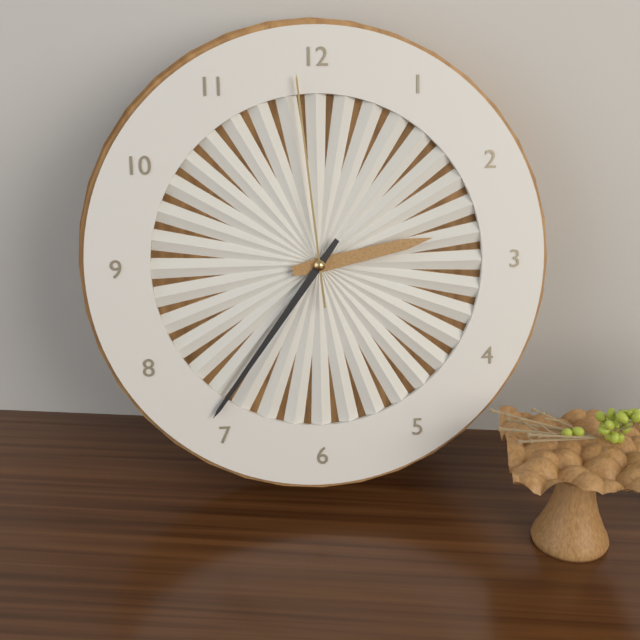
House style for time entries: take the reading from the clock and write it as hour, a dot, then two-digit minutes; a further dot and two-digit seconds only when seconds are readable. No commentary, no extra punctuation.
2.36.59
